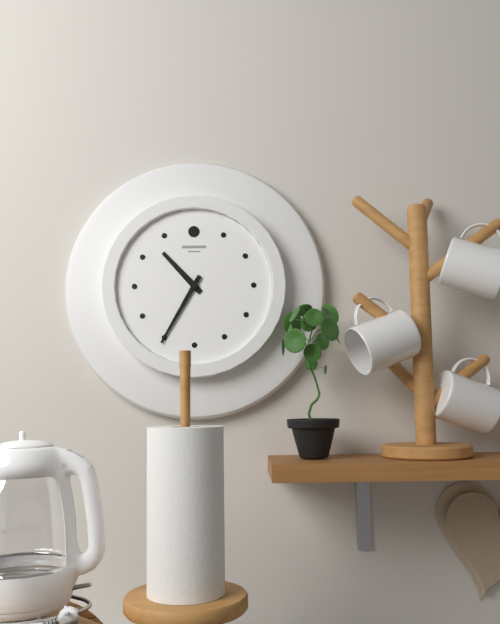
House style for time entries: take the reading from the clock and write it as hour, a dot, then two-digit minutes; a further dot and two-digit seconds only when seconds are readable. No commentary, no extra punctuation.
10.35
